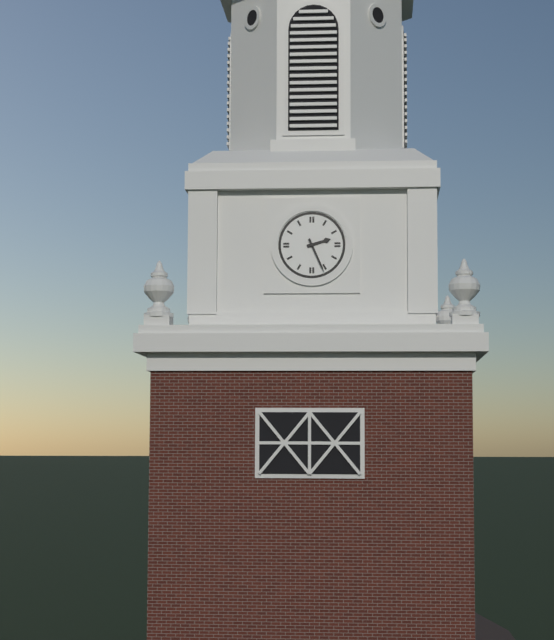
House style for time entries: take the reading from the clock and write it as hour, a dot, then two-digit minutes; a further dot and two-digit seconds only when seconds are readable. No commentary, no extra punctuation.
2.26
